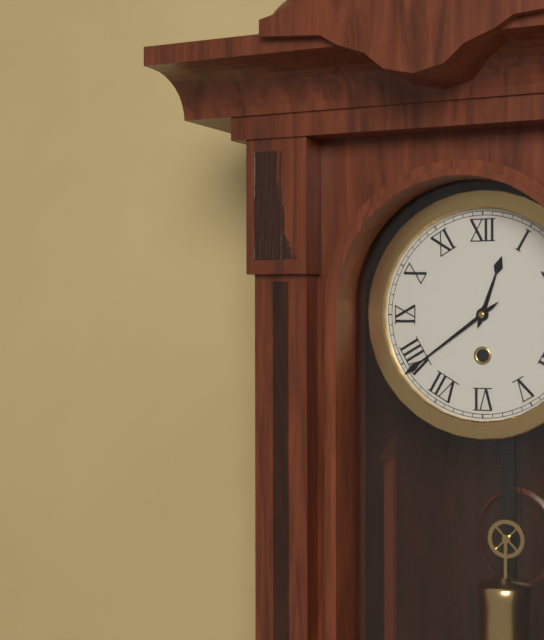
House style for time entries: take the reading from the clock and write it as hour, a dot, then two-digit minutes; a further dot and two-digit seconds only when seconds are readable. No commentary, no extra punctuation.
12.39
